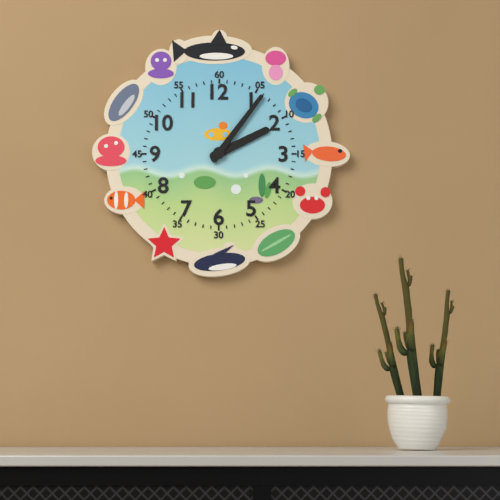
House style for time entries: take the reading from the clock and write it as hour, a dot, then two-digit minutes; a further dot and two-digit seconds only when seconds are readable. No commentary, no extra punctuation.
2.06
